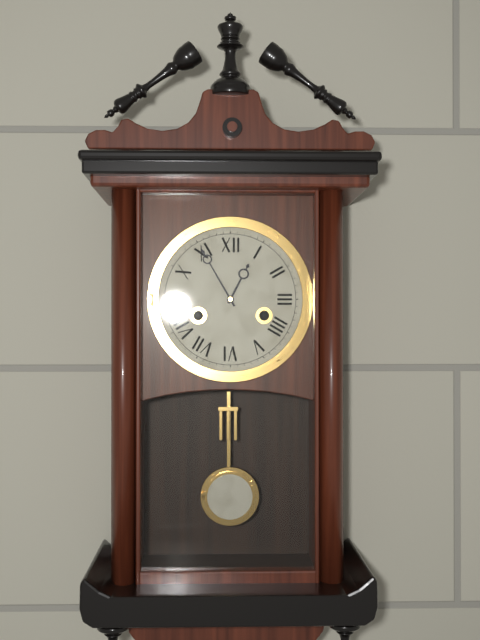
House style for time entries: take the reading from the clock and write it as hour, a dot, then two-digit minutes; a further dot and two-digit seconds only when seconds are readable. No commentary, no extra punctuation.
12.55
